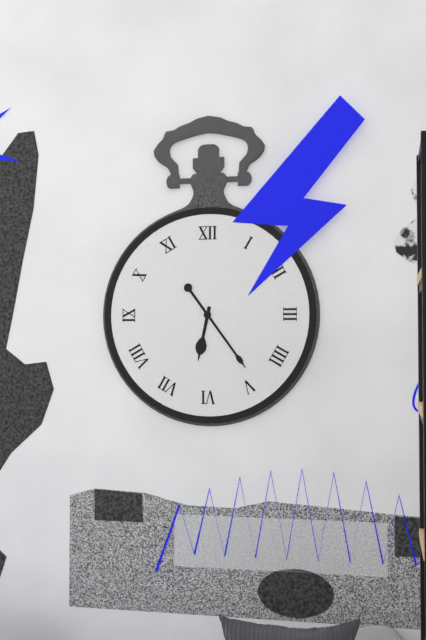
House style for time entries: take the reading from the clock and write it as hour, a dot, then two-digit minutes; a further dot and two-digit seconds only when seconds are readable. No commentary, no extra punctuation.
6.24
